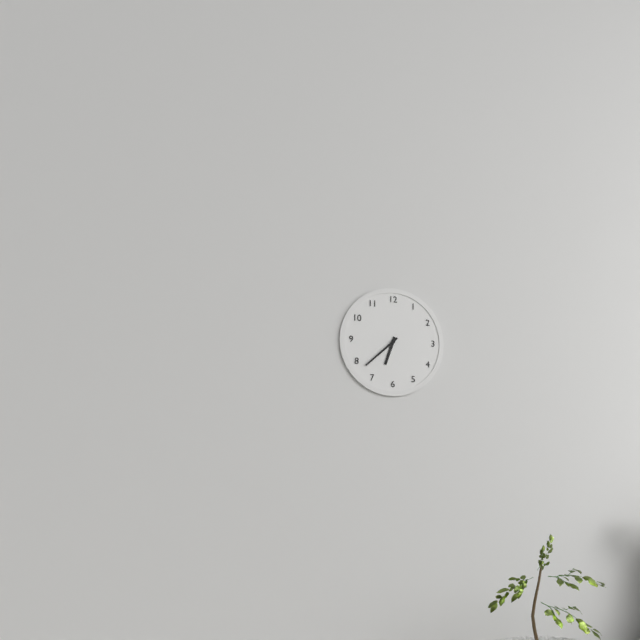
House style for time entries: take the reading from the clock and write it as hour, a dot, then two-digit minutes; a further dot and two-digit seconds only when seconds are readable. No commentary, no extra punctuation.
6.38
